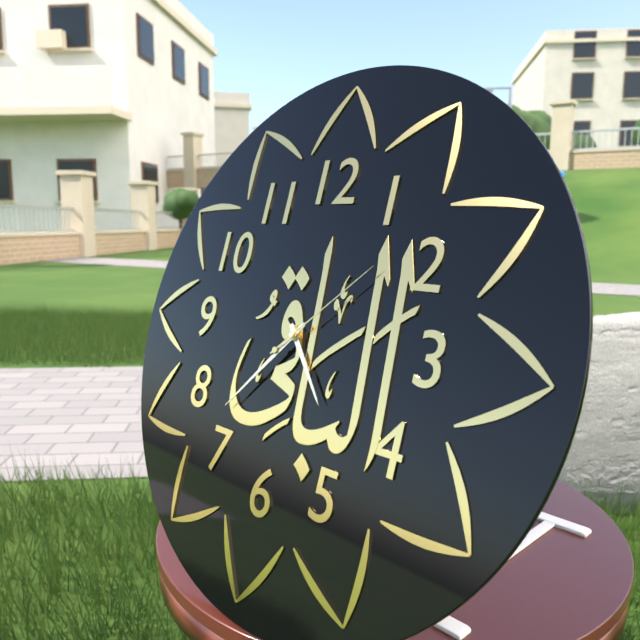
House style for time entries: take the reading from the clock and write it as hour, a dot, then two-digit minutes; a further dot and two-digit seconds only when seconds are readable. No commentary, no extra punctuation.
4.37.08
